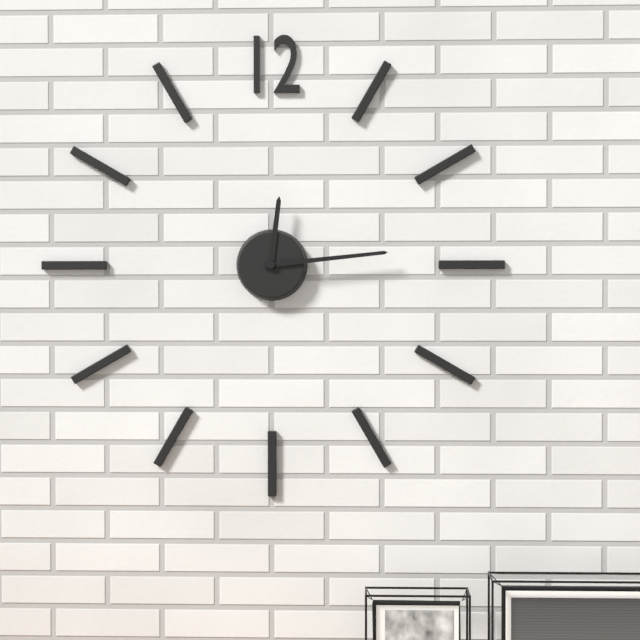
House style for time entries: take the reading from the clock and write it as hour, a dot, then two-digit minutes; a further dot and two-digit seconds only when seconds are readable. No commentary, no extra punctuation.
12.14
